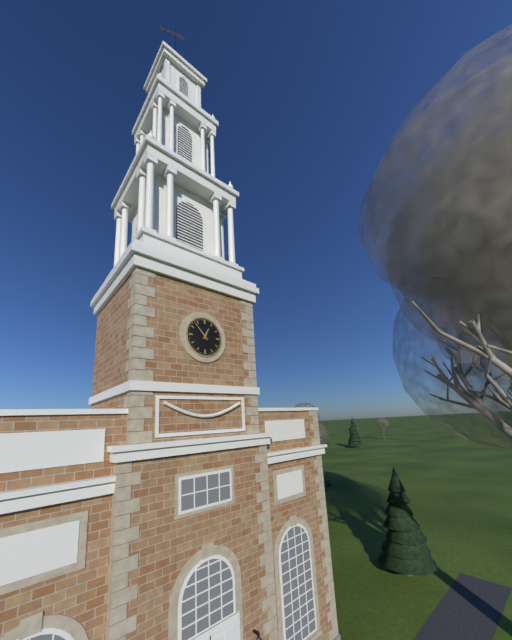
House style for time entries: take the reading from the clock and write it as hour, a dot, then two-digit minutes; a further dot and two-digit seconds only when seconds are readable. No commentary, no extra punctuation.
12.53
